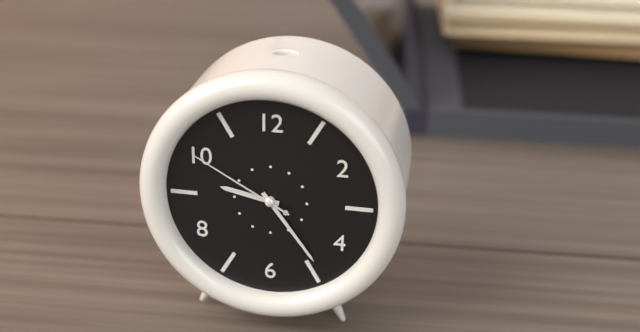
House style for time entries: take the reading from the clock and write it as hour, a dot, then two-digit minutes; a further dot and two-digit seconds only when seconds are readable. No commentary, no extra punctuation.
9.24.50
